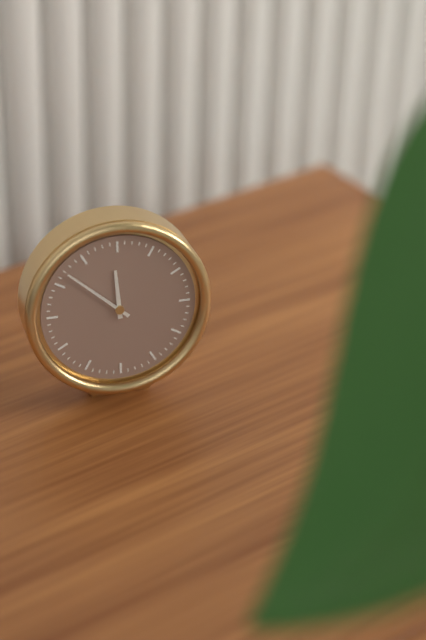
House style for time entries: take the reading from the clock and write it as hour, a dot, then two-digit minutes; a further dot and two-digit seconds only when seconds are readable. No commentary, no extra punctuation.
11.52
